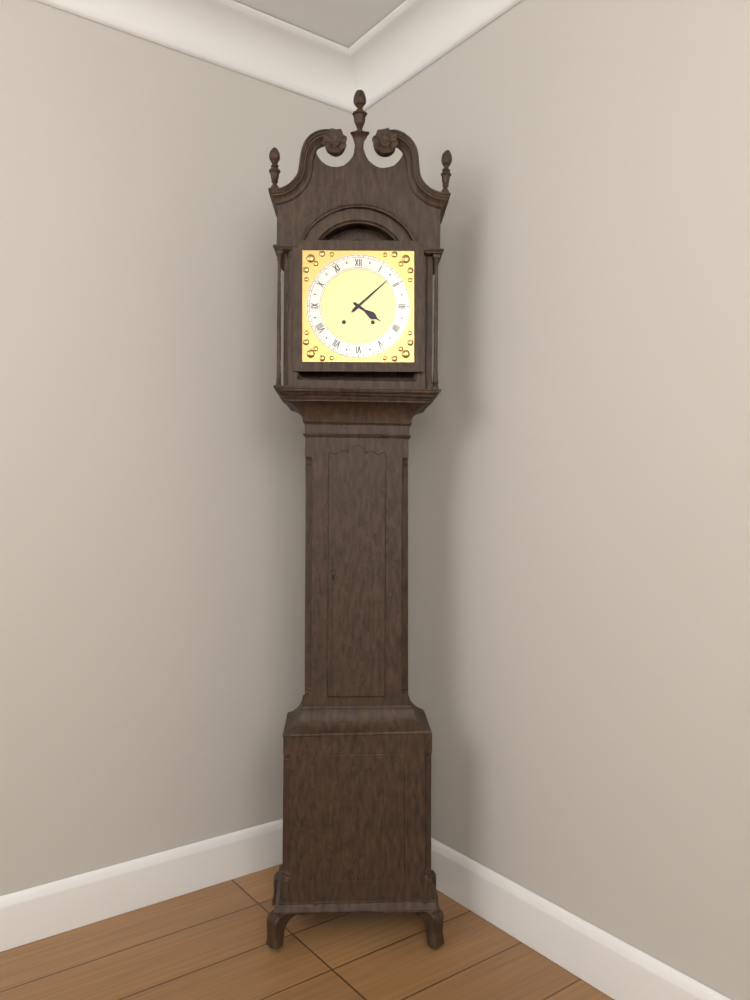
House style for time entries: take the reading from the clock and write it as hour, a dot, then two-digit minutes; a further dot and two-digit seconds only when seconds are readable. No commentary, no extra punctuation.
4.08
